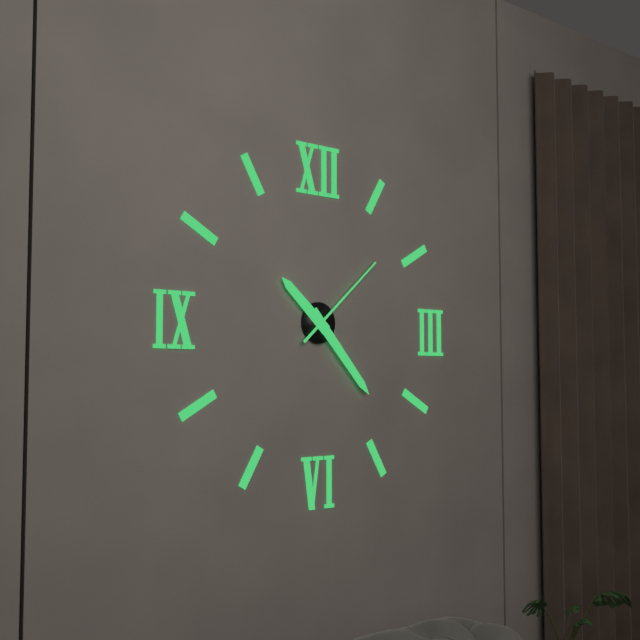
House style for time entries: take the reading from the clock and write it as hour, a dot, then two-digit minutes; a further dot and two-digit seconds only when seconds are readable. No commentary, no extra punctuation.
10.23.08
